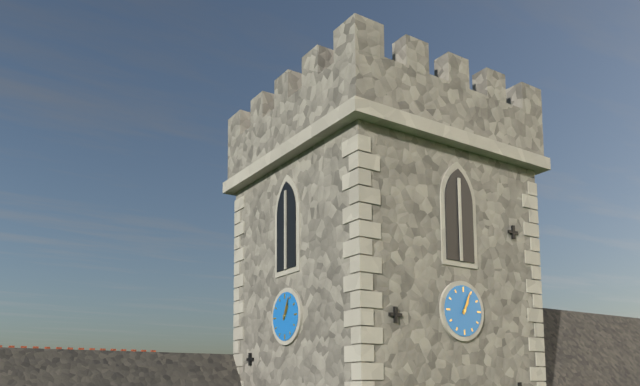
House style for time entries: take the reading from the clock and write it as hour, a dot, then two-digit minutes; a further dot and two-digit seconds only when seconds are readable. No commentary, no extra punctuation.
1.04
